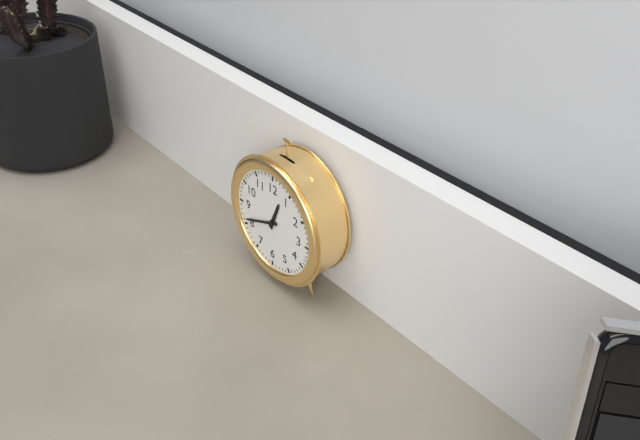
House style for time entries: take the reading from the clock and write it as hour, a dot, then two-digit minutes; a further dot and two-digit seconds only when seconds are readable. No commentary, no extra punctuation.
12.41
